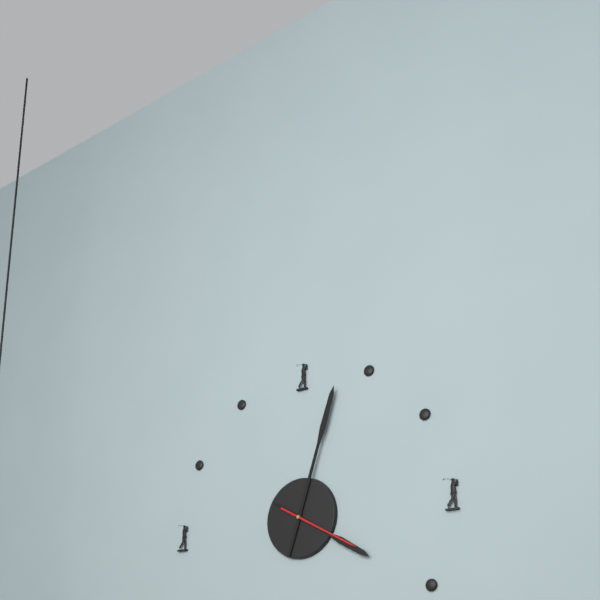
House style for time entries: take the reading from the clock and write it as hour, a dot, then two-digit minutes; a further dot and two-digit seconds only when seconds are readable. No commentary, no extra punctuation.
4.03.20
